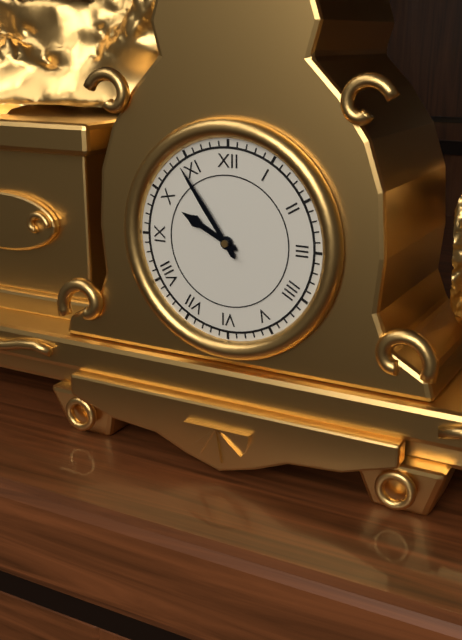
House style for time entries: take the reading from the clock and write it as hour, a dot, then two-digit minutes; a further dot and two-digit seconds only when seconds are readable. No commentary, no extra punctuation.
9.54
